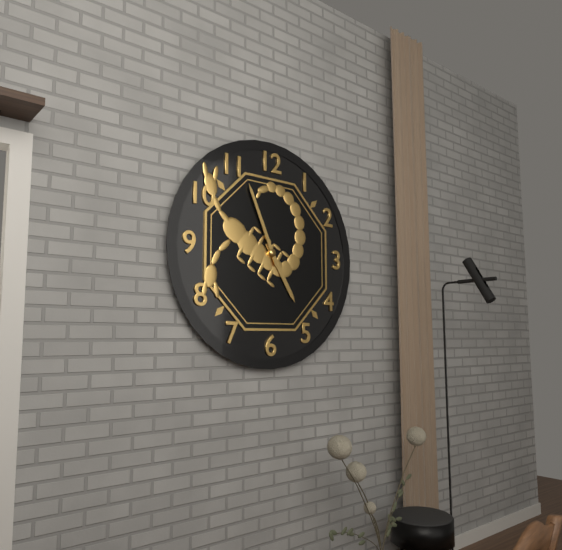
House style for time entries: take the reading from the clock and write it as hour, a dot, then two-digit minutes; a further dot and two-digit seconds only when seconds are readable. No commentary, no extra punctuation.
4.56
